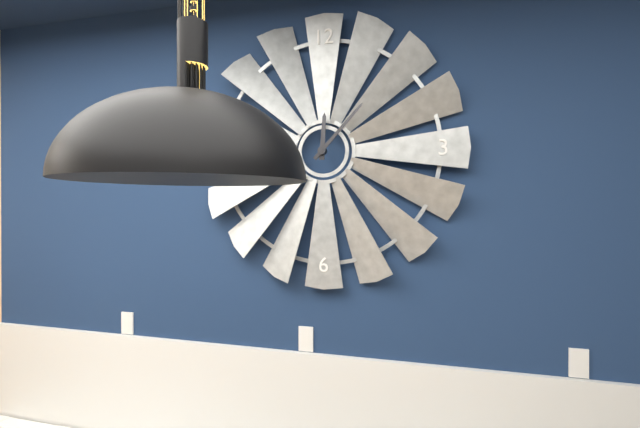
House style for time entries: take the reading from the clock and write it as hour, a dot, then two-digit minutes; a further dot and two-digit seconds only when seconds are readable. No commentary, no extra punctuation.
12.07
